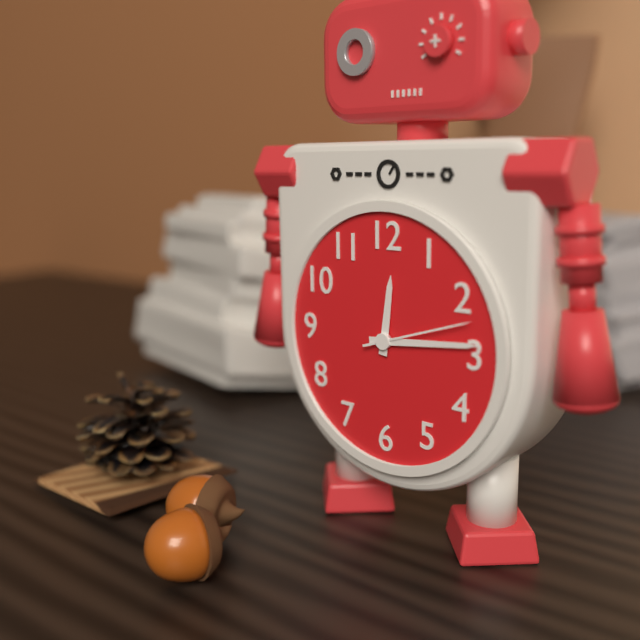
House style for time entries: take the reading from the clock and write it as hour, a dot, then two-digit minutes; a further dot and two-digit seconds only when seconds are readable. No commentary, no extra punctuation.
12.14.12
